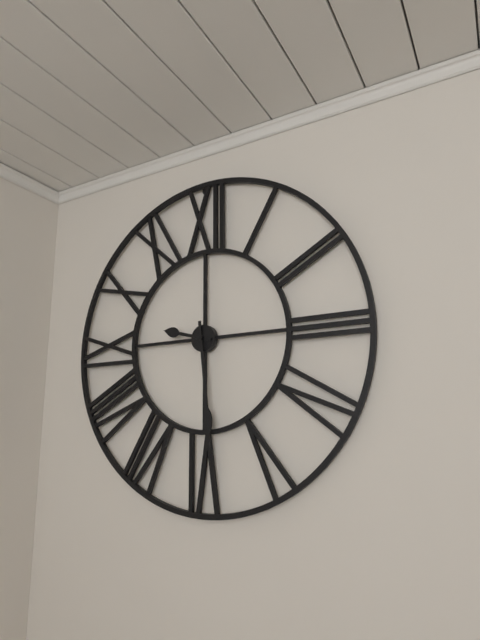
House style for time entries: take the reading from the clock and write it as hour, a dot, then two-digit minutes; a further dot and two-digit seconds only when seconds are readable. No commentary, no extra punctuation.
9.29
